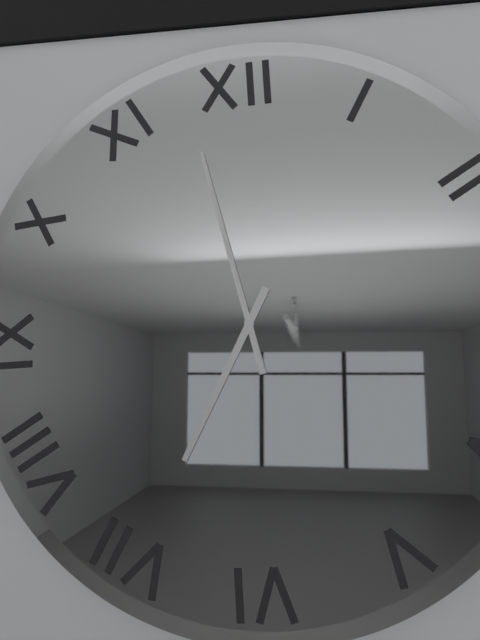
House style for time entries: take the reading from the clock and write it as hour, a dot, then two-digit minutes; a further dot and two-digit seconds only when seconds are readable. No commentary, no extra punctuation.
6.58
